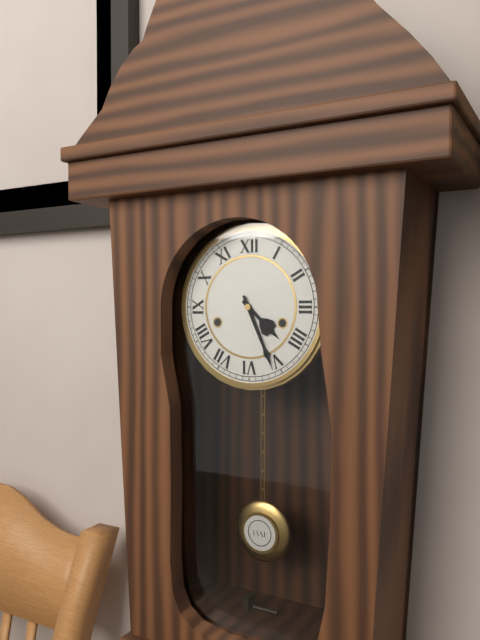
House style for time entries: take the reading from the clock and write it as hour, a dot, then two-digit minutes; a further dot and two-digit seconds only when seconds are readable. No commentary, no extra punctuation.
4.26
